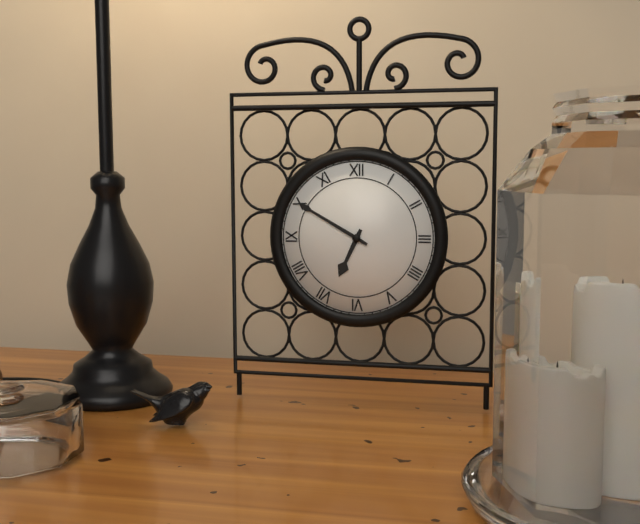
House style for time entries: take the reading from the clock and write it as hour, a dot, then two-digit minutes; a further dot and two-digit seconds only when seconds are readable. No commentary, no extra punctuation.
6.50
